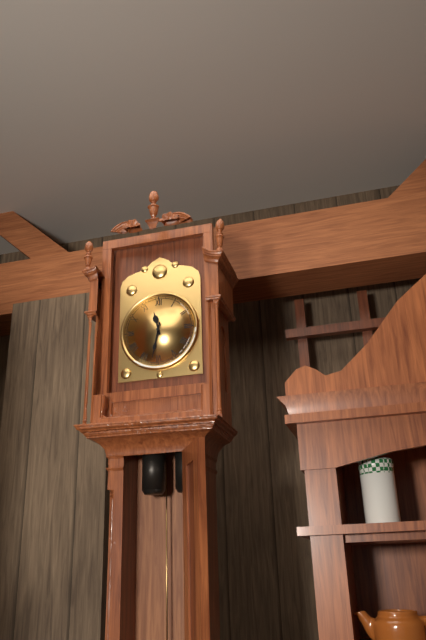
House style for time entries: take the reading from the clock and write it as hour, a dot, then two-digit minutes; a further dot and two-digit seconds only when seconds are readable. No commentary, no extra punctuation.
11.32
